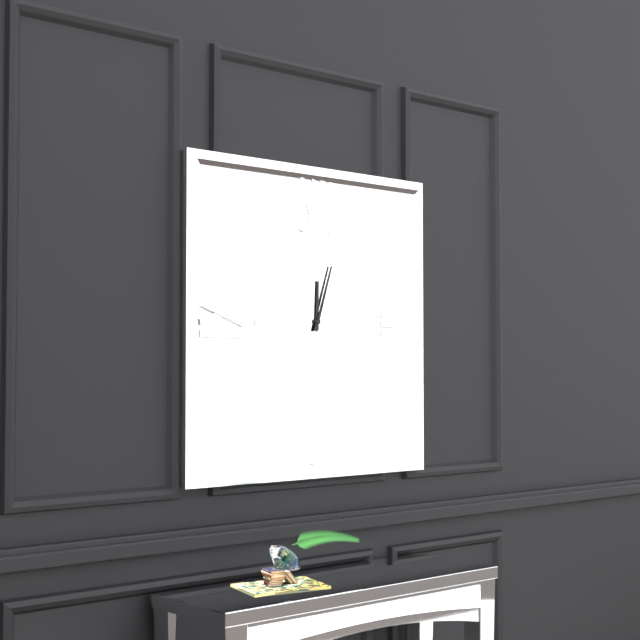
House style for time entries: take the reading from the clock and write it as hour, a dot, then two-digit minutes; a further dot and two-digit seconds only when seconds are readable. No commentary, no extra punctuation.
12.03
